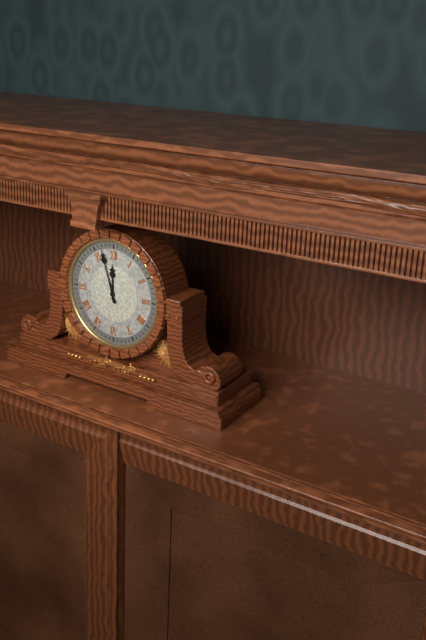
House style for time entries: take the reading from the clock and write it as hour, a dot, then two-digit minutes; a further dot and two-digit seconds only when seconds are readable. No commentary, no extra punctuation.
11.57
